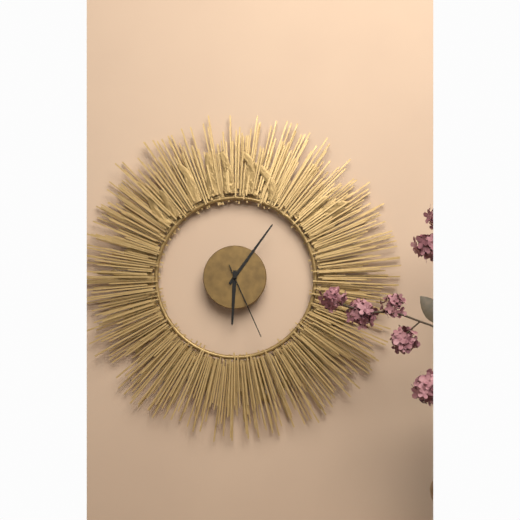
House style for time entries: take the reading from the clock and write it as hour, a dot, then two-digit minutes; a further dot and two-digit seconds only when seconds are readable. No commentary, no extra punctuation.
6.06.26
